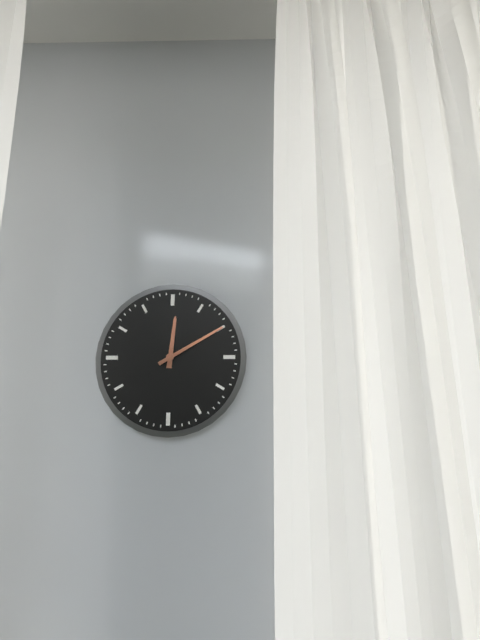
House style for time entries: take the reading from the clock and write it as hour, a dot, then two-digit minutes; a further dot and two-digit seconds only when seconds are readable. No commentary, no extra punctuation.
12.10
